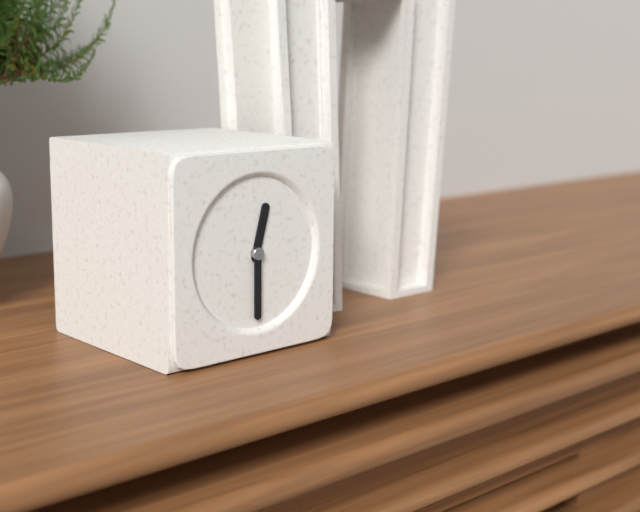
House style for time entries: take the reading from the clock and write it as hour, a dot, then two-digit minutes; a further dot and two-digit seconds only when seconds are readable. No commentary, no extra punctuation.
12.30
